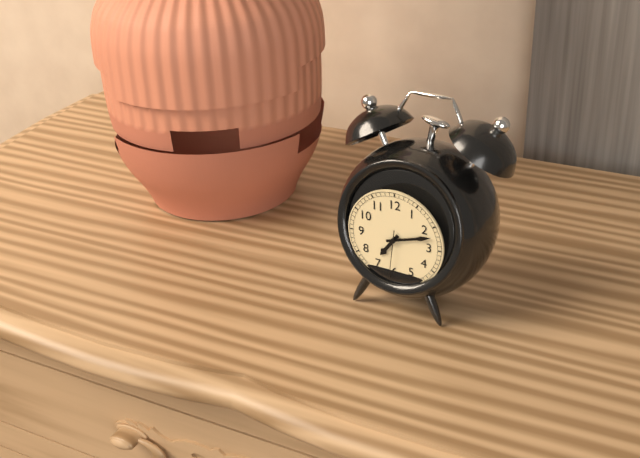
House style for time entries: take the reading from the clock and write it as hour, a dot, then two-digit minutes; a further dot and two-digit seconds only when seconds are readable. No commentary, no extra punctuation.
7.12
